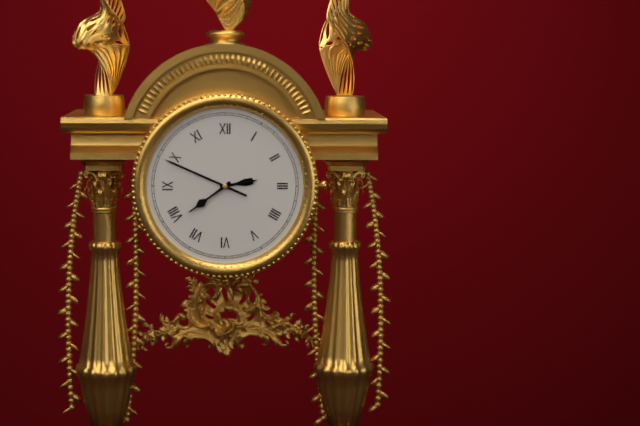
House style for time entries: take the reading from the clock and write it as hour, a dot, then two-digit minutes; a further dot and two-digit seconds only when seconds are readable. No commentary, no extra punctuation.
2.39.49
